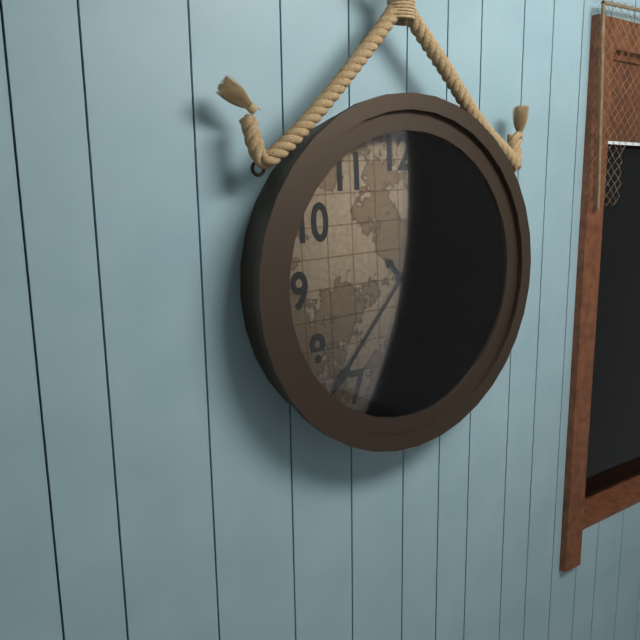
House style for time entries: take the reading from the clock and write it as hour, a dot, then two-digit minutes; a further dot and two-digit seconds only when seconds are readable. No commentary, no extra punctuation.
4.37
